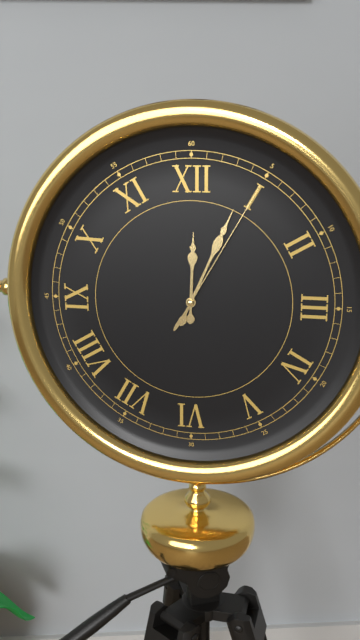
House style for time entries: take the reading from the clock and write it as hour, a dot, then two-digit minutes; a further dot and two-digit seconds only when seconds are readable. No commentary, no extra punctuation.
12.04.05
